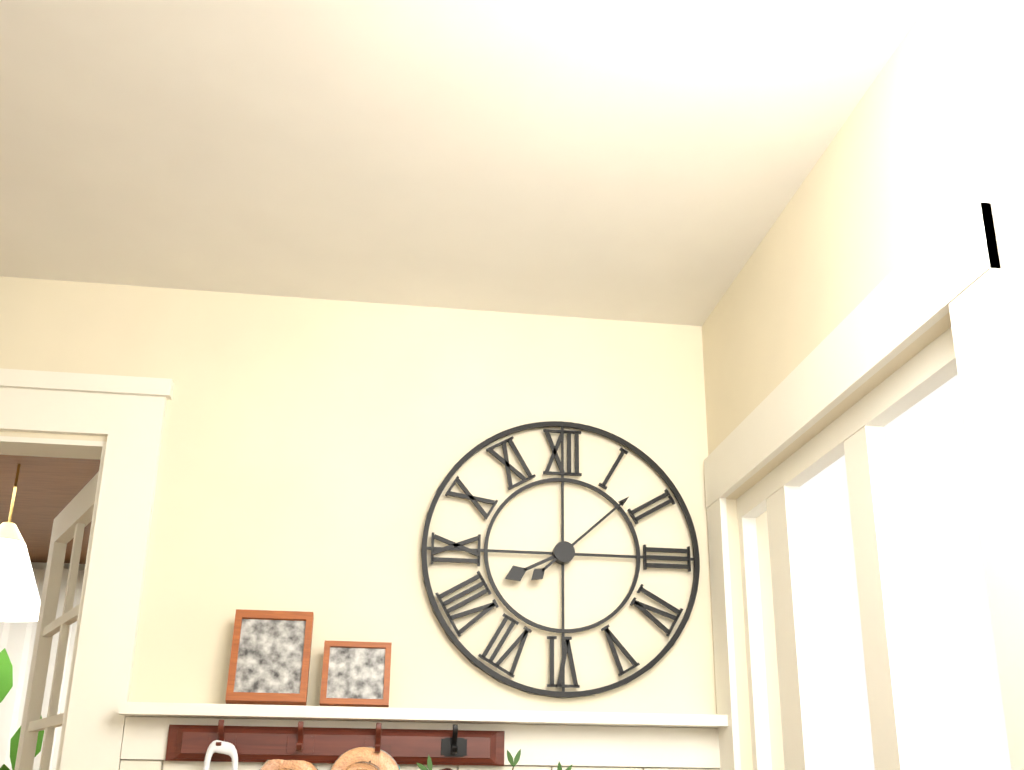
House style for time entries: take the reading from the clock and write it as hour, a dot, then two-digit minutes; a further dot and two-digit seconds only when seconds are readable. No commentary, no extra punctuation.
8.08
